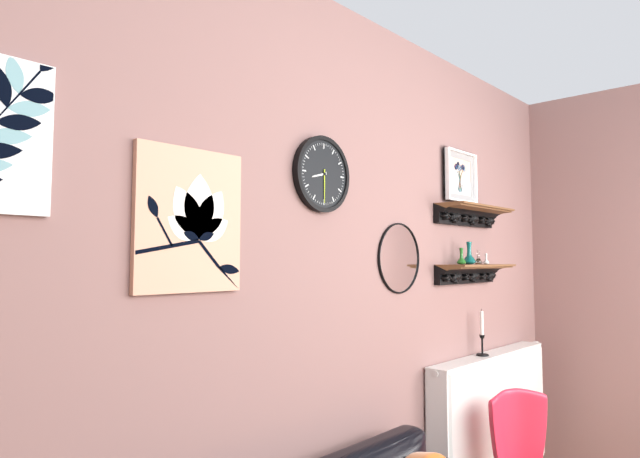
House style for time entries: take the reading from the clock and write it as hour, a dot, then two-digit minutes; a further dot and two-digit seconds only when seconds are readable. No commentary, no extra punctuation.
8.30
